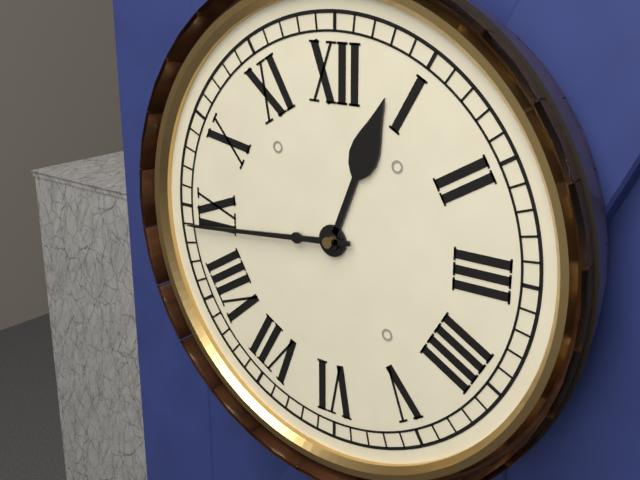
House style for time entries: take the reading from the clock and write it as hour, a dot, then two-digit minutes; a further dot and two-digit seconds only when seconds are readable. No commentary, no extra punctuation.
12.44
